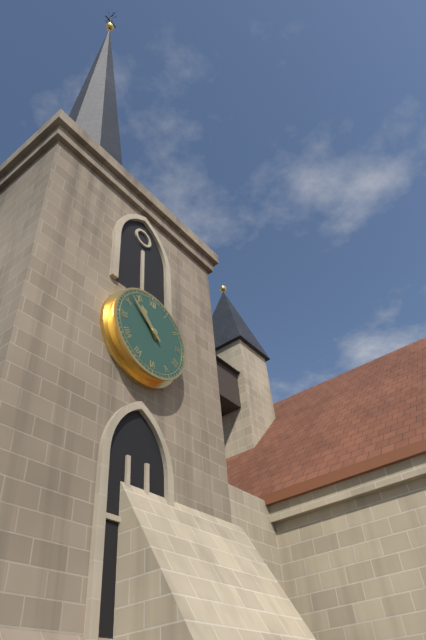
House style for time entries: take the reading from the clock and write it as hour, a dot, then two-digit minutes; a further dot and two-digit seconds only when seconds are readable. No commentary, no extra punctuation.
10.52
